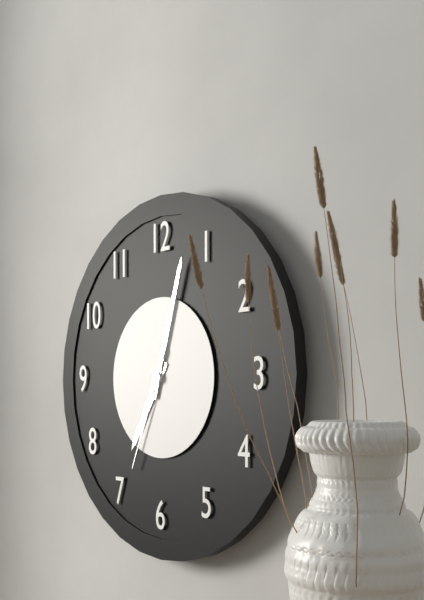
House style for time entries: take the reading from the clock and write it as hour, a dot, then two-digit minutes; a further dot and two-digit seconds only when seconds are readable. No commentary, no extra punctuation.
7.03.34
